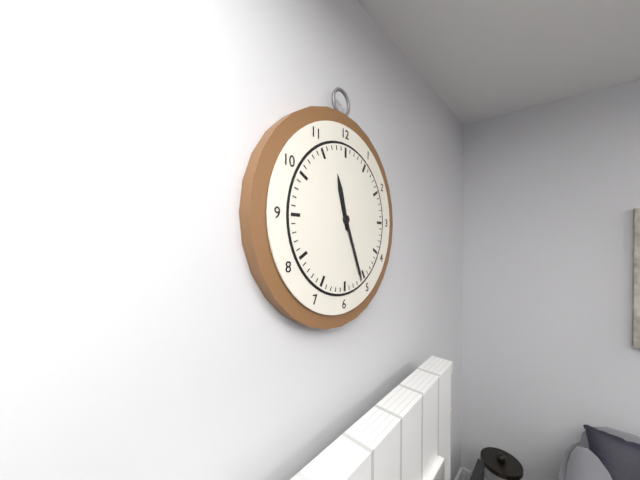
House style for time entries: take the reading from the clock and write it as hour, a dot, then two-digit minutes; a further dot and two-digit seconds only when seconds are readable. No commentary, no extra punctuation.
11.26
